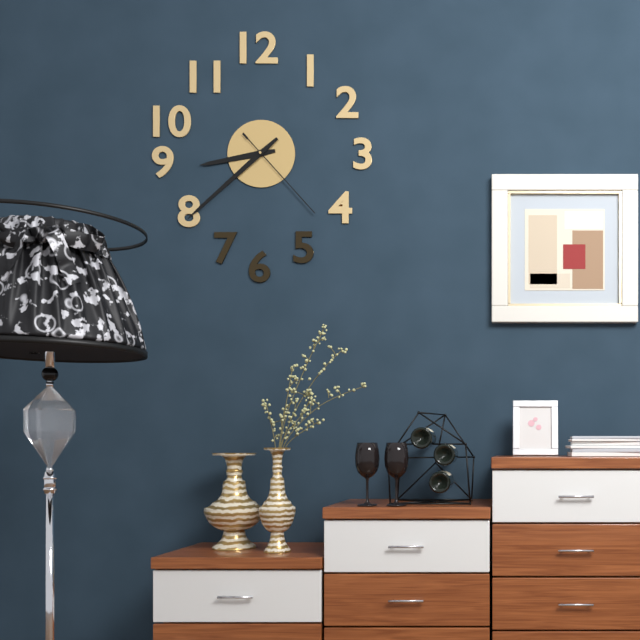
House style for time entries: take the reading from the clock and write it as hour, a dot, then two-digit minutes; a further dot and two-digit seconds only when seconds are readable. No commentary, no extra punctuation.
8.38.23
